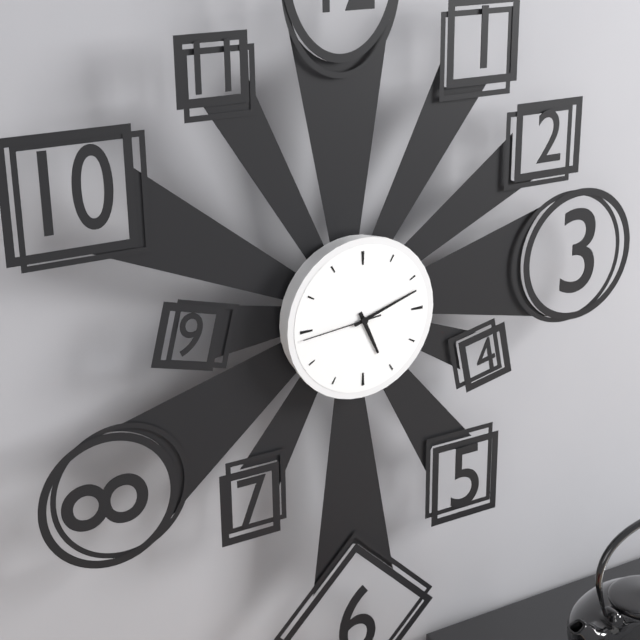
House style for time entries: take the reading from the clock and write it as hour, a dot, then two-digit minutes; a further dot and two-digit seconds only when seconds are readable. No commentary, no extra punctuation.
5.12.44
